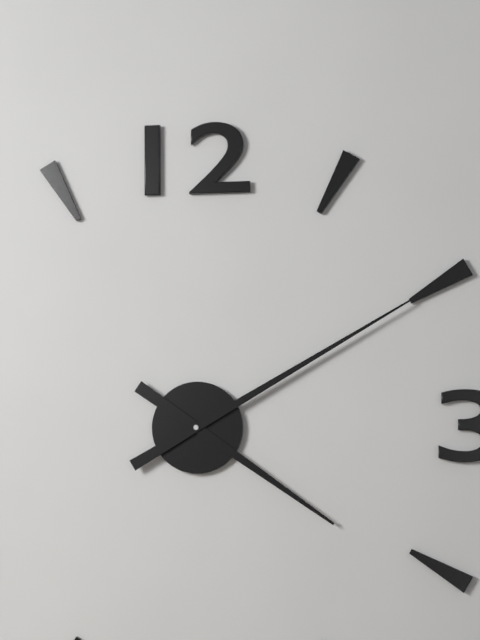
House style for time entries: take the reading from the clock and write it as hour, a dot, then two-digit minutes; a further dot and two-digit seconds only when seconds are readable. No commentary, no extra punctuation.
4.10
